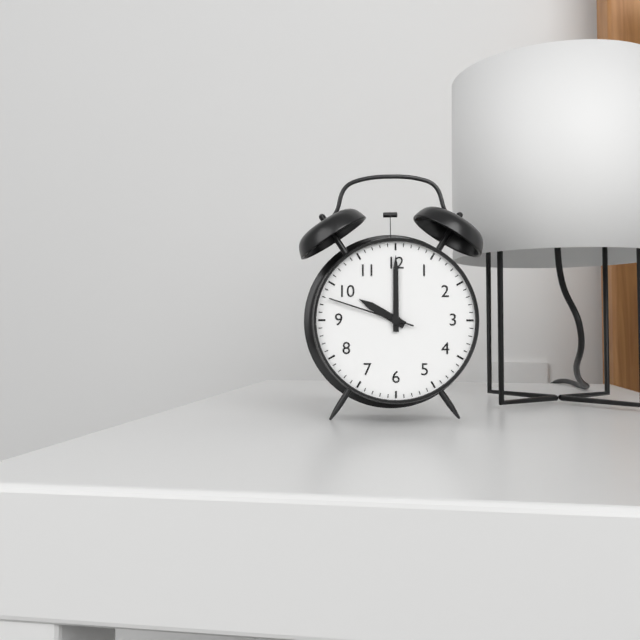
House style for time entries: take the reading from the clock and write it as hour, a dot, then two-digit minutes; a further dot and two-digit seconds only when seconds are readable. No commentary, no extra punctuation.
10.00.48
